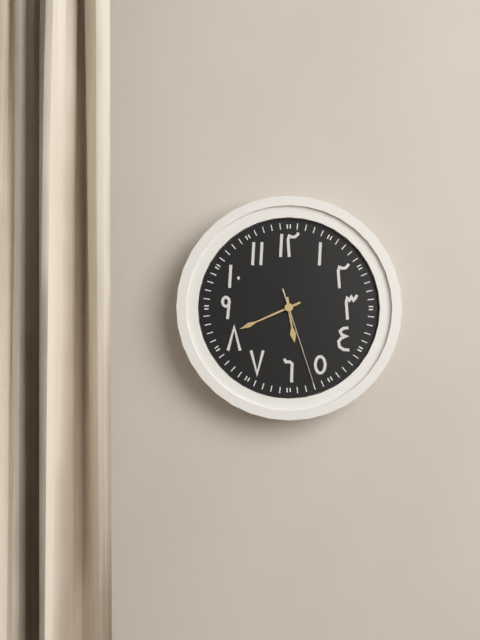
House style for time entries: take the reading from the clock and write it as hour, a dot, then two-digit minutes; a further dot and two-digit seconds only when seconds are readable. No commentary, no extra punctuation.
5.41.27
